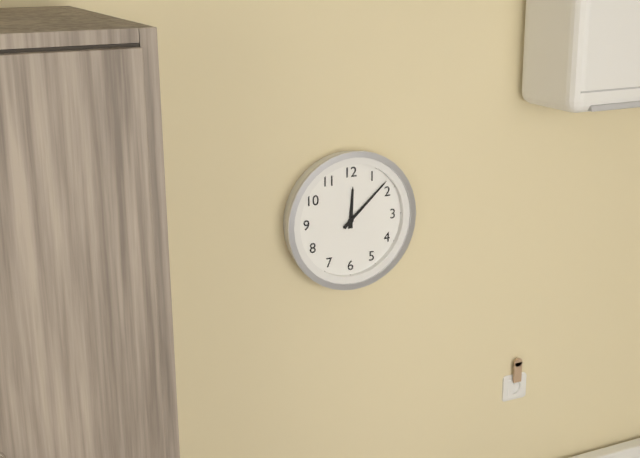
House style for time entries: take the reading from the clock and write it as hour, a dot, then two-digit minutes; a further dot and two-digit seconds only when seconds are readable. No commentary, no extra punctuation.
12.08
